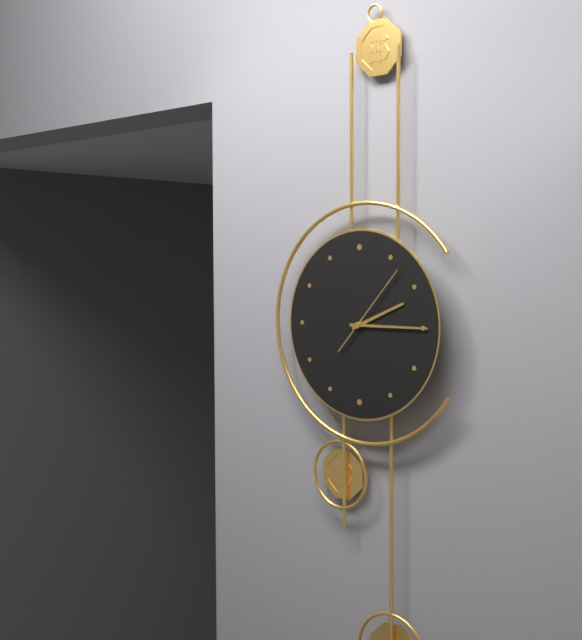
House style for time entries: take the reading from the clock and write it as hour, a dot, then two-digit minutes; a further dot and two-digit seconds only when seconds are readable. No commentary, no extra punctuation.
2.15.07
